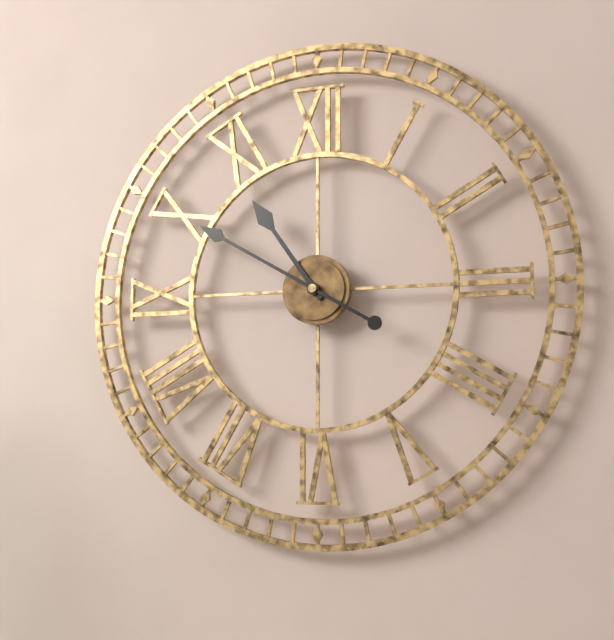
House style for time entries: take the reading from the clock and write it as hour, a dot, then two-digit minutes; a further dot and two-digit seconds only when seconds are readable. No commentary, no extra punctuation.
10.50
